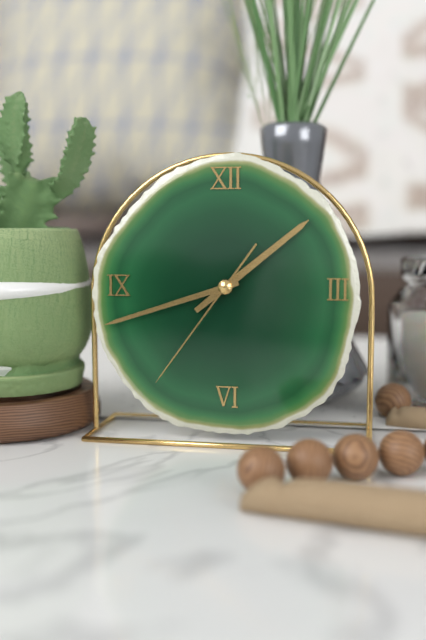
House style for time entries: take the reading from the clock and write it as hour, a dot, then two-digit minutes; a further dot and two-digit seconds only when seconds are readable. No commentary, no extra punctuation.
1.42.36
